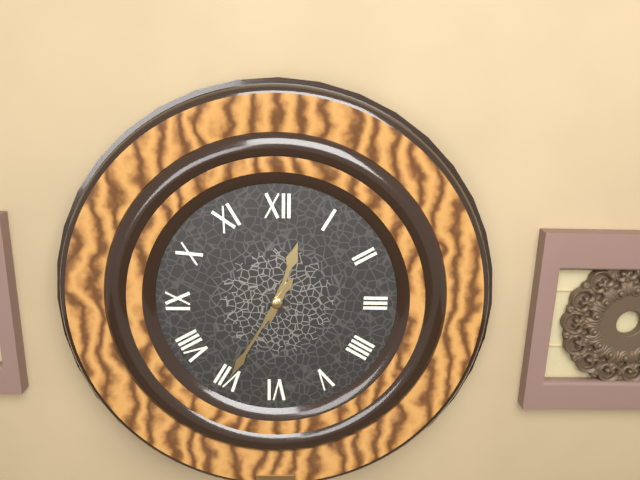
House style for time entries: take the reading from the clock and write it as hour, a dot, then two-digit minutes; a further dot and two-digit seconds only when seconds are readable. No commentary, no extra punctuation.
12.35
